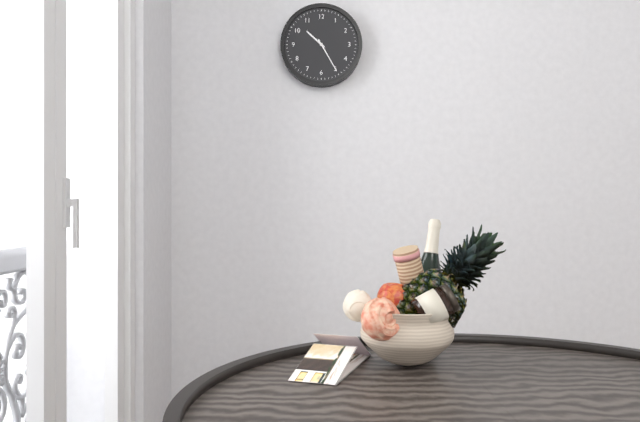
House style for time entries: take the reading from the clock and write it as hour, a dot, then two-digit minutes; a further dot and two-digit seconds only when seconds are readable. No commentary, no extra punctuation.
10.25
